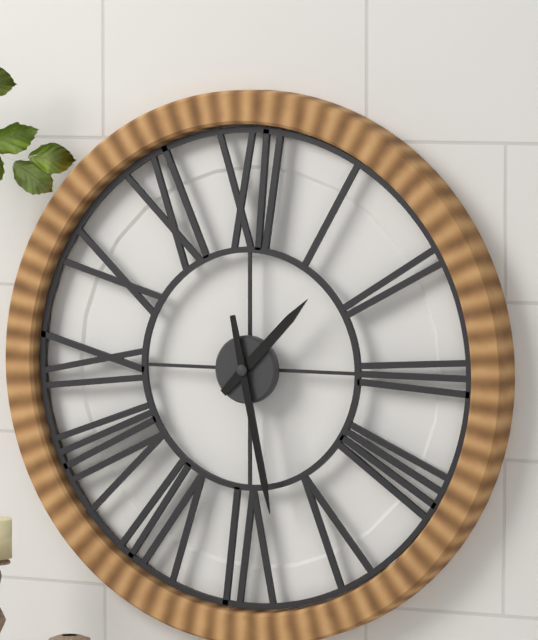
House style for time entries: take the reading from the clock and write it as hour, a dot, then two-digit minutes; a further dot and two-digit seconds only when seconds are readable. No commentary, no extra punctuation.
1.28
